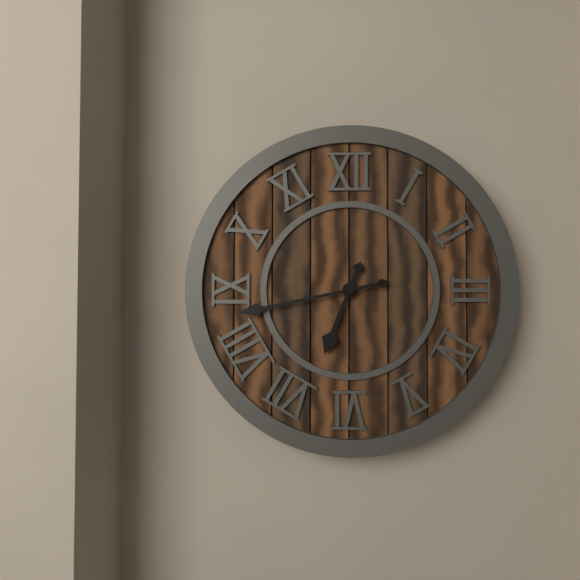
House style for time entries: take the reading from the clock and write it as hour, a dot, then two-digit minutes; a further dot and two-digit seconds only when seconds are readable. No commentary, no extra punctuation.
6.43
